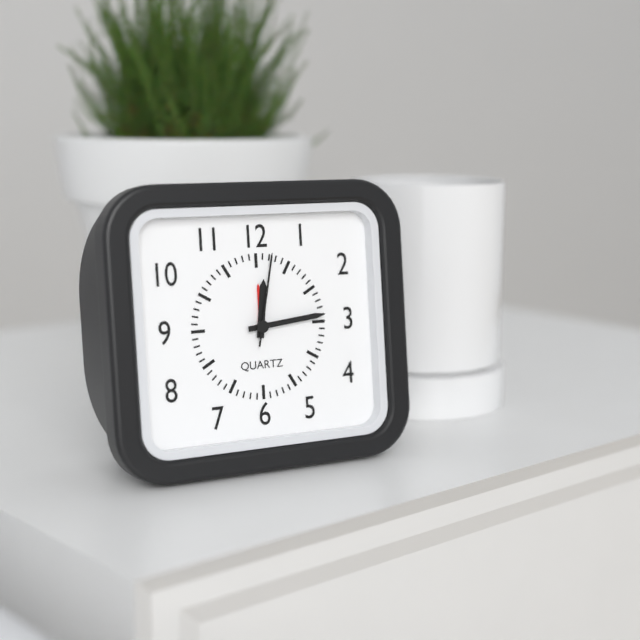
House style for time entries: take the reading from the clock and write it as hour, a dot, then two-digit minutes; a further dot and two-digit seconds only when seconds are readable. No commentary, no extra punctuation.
12.14.02
